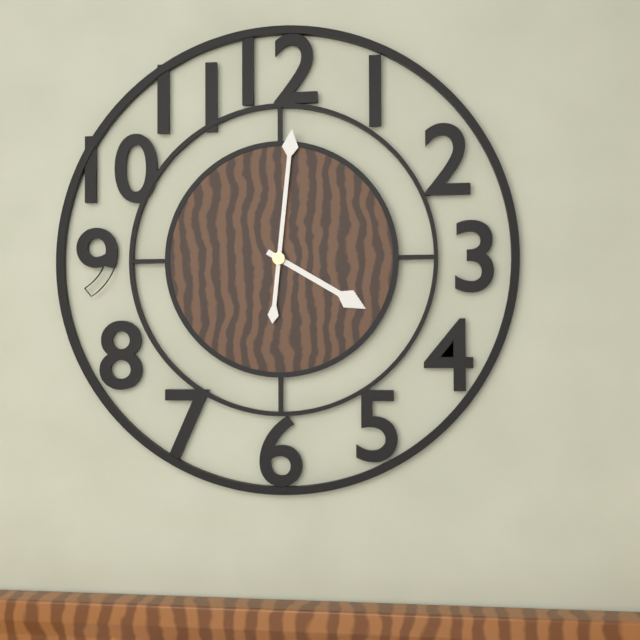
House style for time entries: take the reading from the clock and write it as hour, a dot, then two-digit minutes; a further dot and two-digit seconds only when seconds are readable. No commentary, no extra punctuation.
4.01
